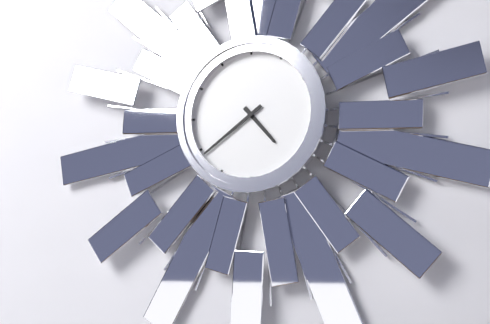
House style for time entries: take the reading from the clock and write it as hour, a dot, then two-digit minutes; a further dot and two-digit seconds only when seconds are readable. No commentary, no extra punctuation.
4.39
